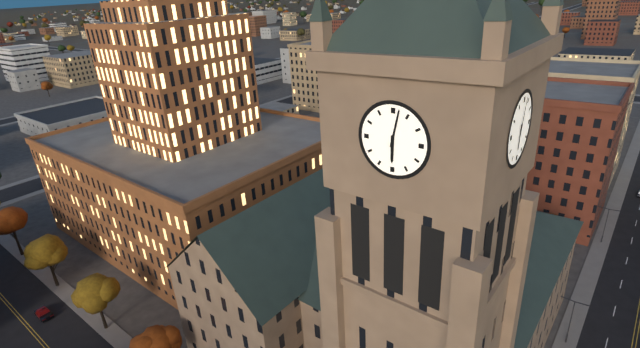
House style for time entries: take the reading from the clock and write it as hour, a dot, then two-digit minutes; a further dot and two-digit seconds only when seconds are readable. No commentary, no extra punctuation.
6.02
